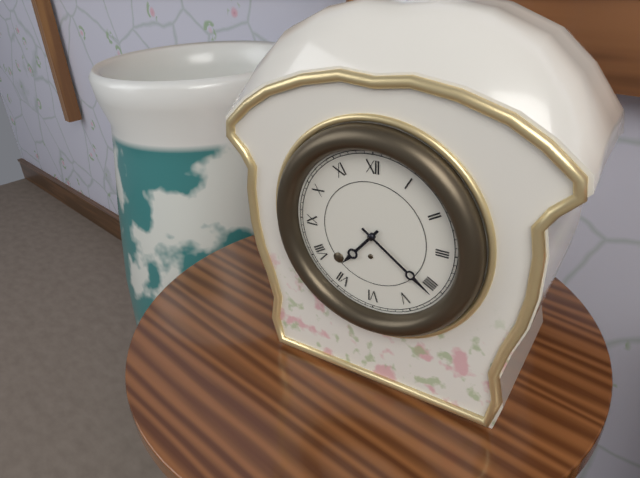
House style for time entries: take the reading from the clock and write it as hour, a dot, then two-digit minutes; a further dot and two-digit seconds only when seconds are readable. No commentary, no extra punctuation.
7.21
